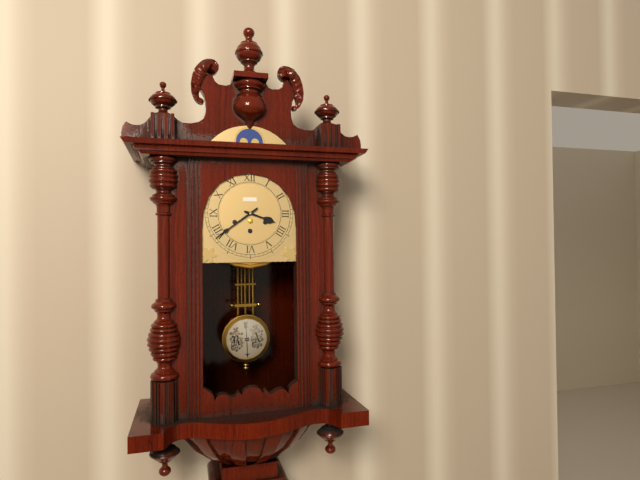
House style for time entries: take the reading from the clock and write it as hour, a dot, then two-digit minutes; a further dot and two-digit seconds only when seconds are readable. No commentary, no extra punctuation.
3.39
